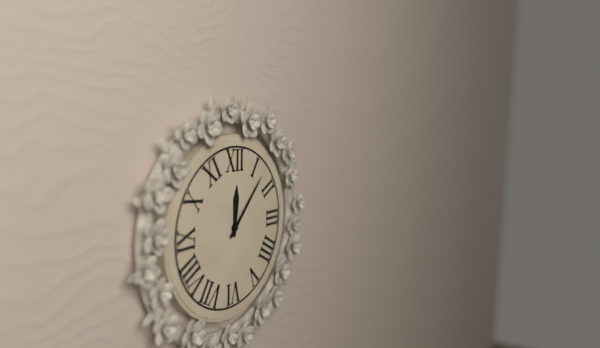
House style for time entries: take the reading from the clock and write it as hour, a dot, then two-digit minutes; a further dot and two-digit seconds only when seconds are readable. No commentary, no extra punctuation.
12.07
